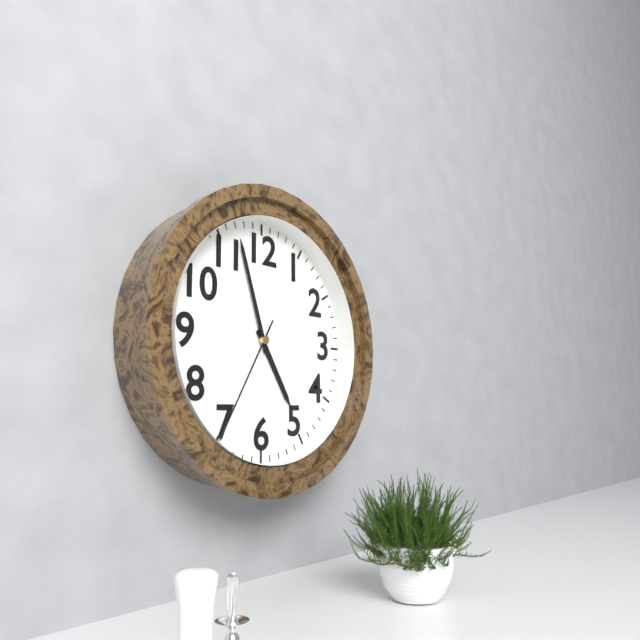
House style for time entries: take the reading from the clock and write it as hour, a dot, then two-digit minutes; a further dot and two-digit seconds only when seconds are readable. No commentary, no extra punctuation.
4.57.35
